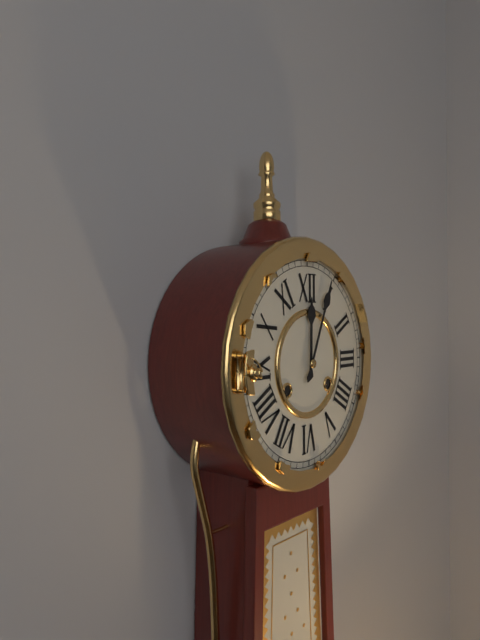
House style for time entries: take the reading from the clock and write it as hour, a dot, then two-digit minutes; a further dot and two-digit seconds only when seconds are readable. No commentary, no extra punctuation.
12.04
